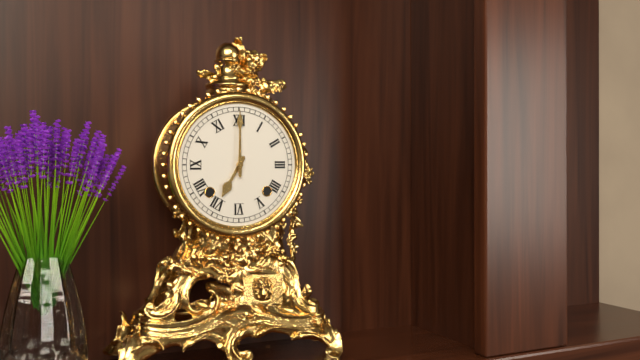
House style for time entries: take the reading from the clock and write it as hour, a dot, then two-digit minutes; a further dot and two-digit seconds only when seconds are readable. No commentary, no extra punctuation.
7.00
